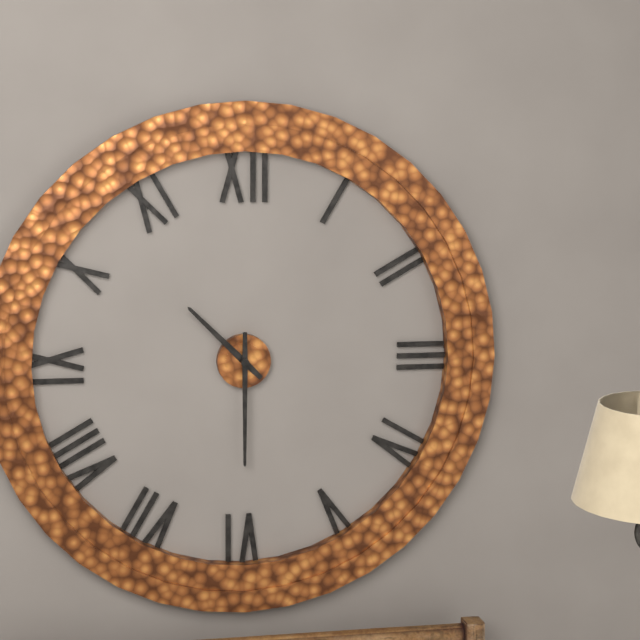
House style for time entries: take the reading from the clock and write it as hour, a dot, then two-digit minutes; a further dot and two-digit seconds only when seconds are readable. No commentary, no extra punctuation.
10.30
